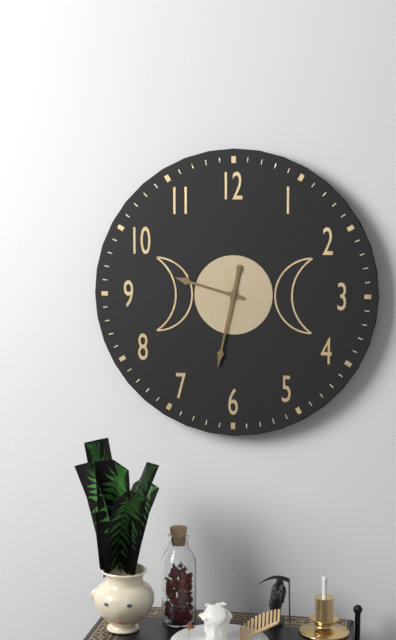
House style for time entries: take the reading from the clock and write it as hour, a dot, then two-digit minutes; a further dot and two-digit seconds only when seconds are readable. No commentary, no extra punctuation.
9.32
